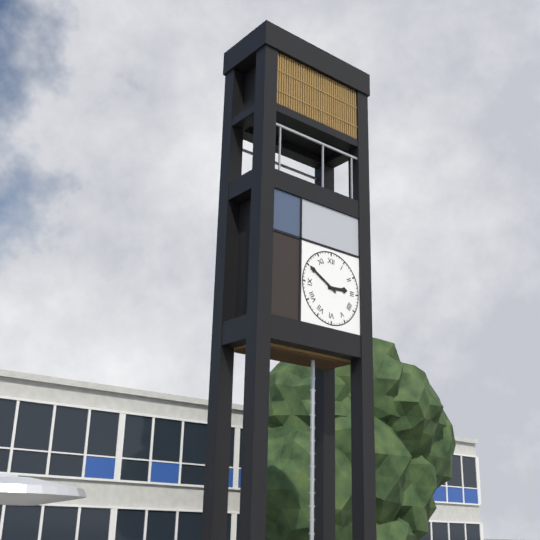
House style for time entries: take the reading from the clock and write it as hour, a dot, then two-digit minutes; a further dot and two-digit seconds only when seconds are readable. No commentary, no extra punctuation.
2.50
